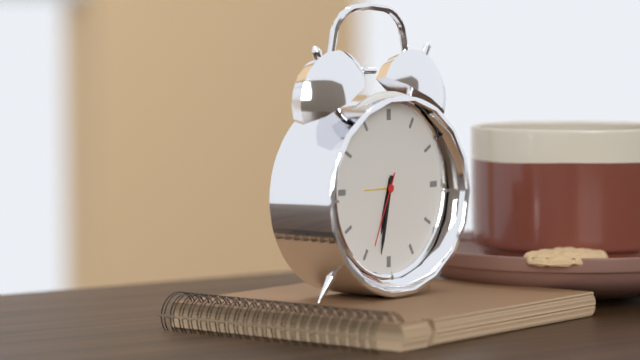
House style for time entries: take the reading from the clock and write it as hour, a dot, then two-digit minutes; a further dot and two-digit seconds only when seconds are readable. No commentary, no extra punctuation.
6.32.34
